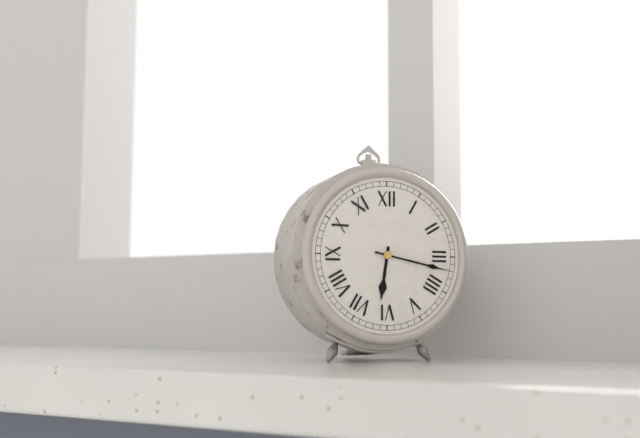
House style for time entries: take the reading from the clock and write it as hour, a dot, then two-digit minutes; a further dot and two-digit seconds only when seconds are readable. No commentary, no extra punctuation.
6.17
